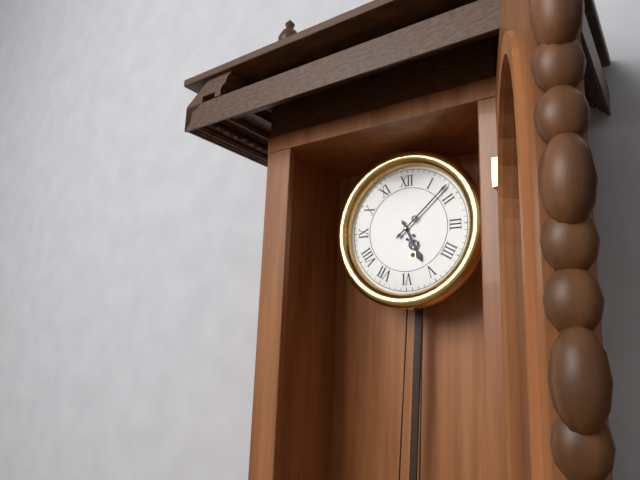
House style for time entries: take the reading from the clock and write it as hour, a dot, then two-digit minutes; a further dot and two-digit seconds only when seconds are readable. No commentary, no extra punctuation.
5.08
